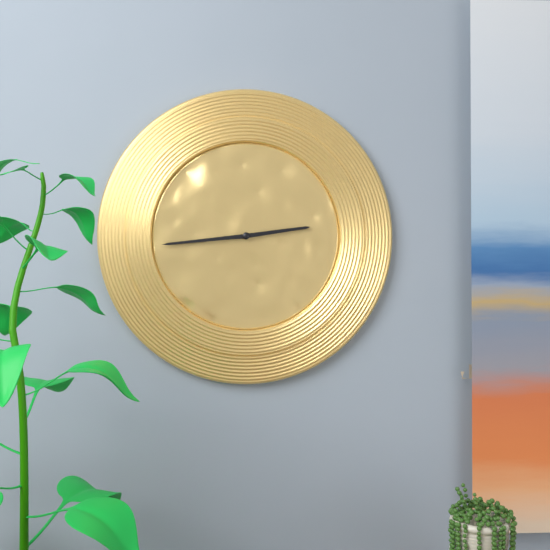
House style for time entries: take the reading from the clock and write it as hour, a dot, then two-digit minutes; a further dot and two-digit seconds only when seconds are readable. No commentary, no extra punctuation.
2.44
